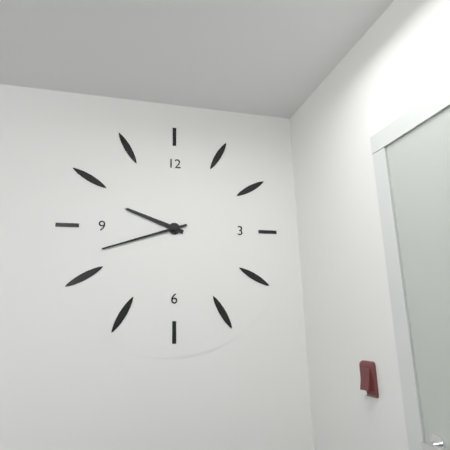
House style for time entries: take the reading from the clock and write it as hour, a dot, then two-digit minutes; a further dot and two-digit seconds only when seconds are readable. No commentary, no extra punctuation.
9.42
